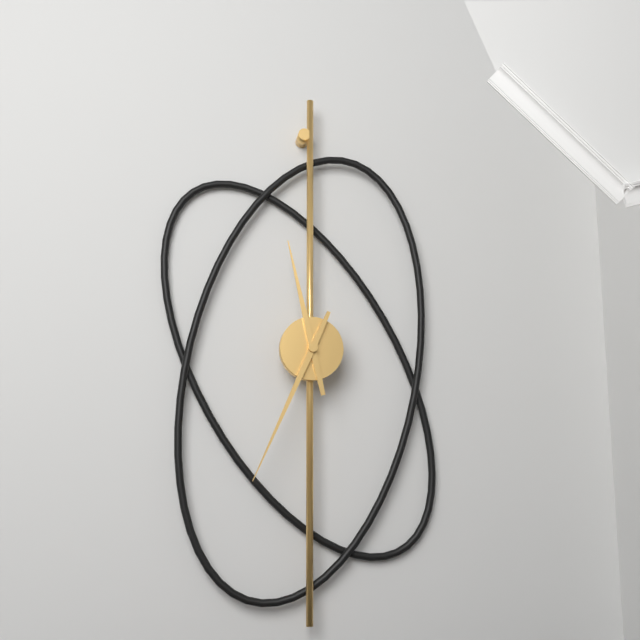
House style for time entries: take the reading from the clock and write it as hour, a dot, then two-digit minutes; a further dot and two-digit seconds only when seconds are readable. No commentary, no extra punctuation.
11.34
